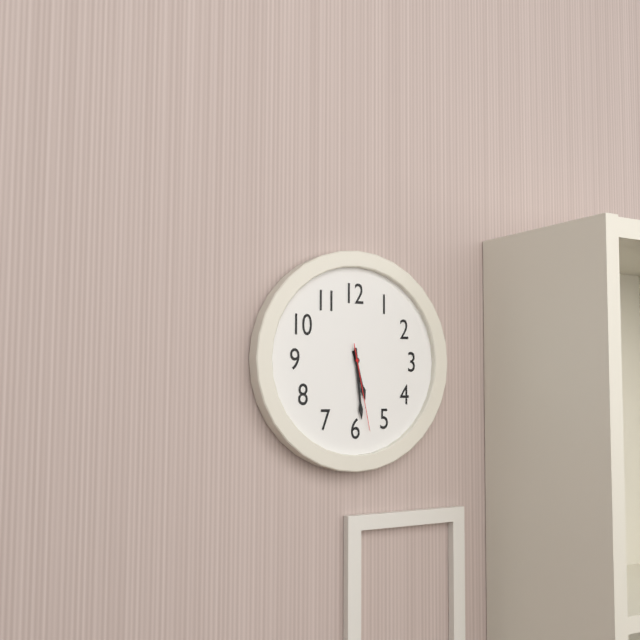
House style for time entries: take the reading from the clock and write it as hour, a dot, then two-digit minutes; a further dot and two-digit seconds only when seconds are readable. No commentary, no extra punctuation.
5.29.28
